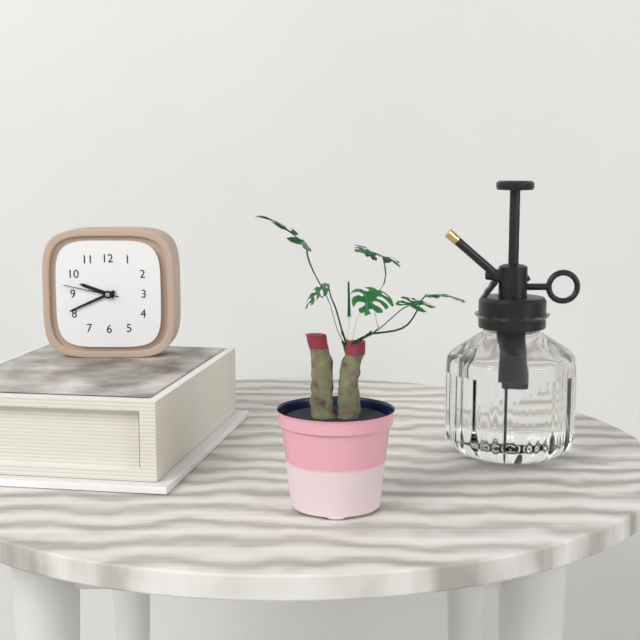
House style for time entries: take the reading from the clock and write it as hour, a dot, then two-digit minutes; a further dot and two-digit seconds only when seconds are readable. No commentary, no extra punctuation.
9.41.47
